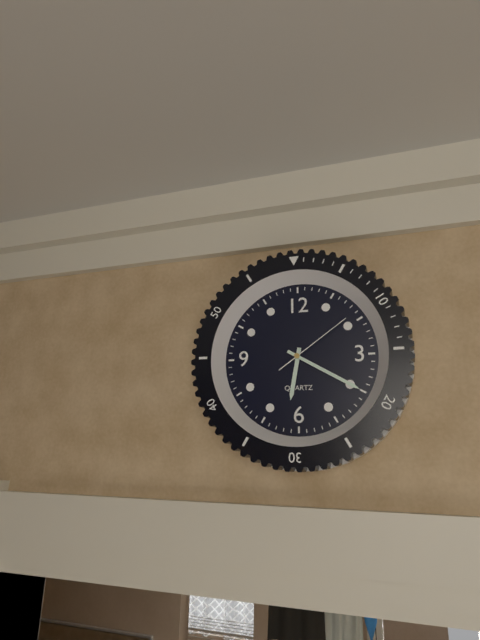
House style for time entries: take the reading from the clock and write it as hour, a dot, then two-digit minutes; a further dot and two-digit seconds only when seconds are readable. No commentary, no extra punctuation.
6.20.09
